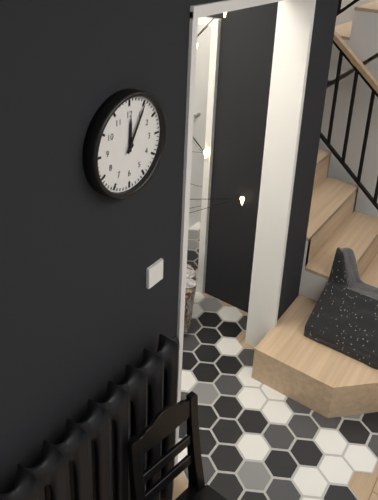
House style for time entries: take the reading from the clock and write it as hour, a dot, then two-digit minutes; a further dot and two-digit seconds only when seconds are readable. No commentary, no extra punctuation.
12.05
